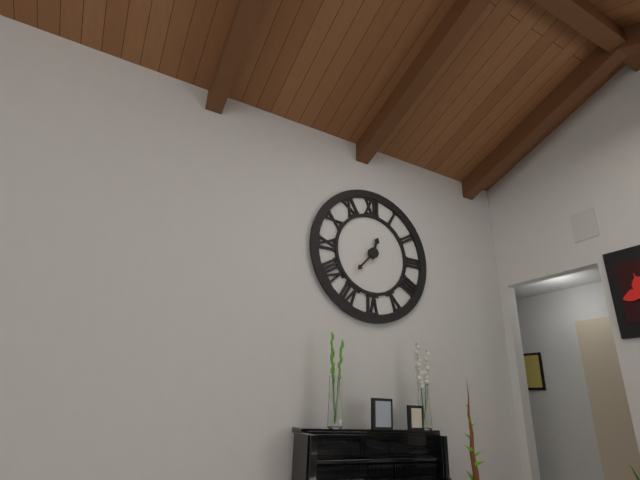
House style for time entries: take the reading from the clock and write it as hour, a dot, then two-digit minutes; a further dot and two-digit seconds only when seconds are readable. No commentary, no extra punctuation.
12.37
